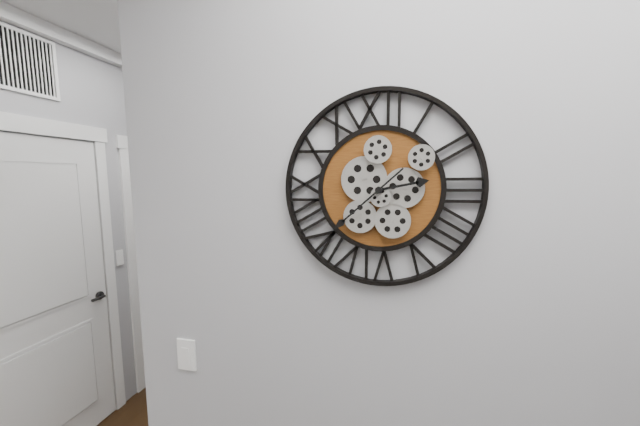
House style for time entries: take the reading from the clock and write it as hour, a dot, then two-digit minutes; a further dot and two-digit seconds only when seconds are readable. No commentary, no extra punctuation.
2.38
